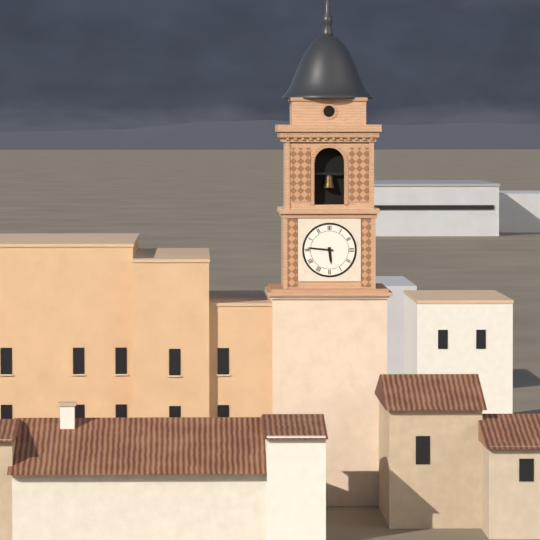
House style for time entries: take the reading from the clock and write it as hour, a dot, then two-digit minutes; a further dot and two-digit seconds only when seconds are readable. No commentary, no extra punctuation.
5.46
